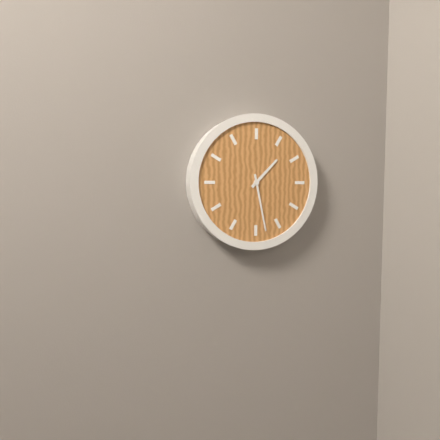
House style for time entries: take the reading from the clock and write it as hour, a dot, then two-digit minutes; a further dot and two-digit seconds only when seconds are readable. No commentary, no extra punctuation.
1.28
